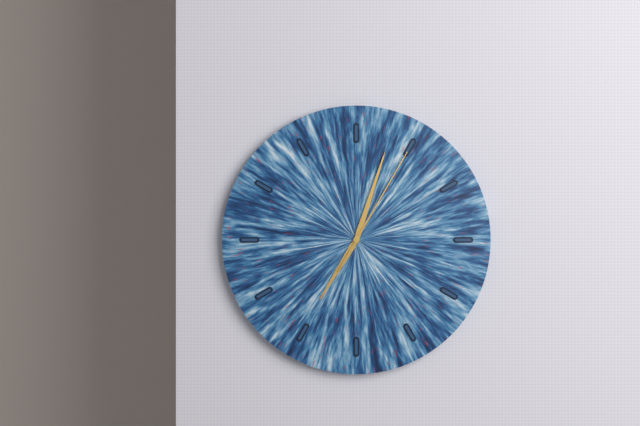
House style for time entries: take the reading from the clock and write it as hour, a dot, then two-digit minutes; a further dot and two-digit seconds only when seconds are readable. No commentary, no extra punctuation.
7.03.05
